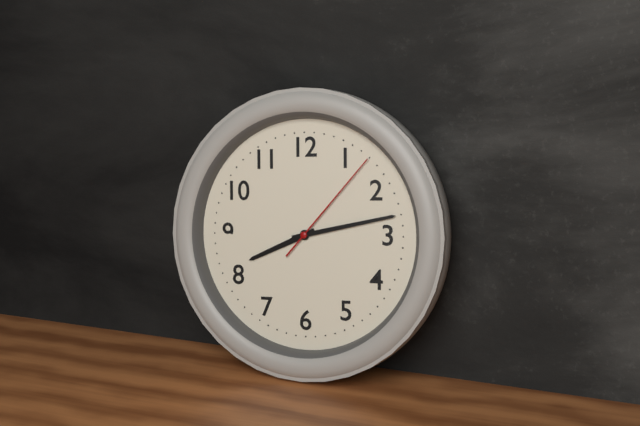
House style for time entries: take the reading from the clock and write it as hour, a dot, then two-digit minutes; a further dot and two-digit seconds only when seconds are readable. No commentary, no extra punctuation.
8.13.07
